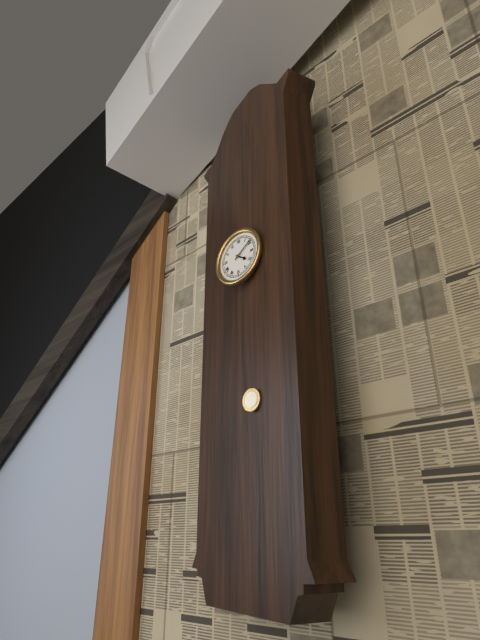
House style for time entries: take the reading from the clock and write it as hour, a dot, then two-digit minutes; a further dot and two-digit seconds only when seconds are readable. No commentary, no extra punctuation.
4.09
